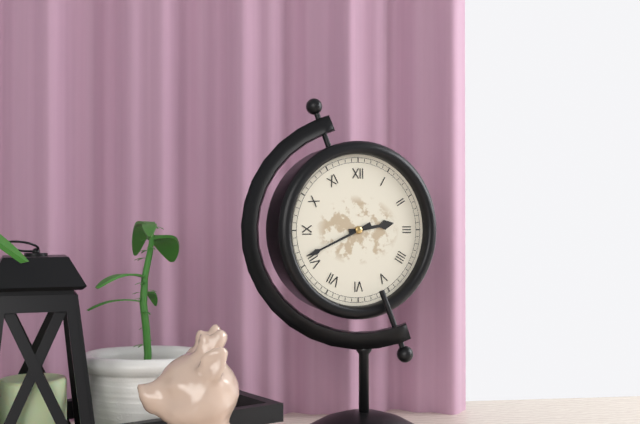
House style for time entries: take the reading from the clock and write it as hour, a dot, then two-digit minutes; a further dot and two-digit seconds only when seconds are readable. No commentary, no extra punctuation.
2.41
